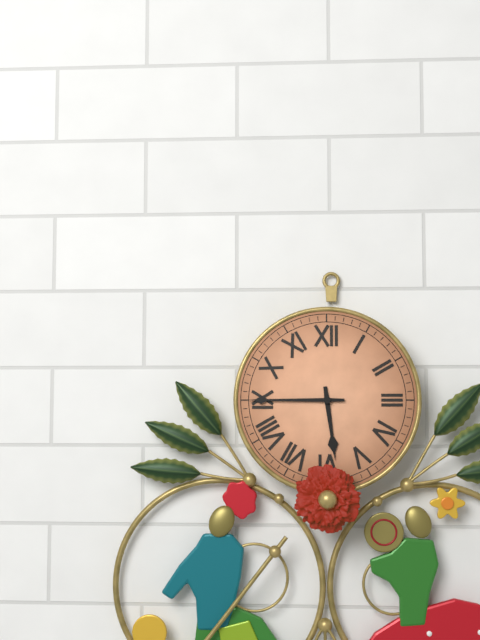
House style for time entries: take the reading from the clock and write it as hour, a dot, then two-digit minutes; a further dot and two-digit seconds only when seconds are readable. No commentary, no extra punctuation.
5.45
